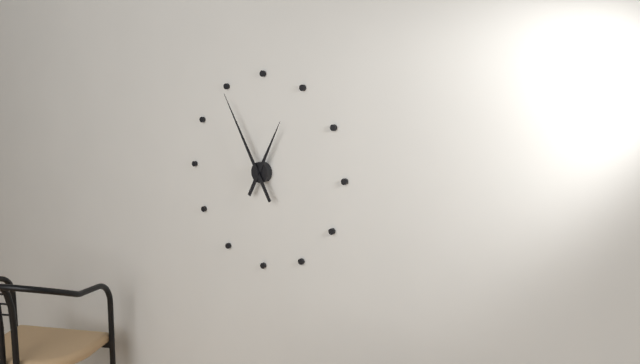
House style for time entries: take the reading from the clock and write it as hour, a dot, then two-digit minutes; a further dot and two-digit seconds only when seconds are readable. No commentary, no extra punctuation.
12.55
